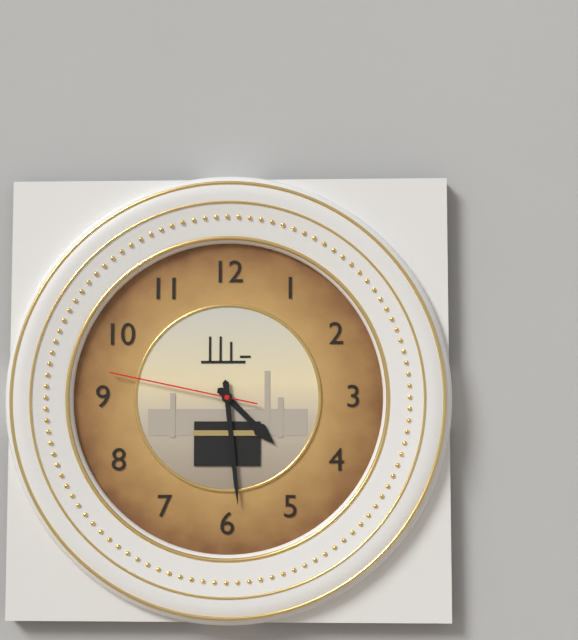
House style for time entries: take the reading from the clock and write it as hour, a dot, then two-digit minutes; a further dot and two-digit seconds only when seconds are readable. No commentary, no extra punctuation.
4.29.47
